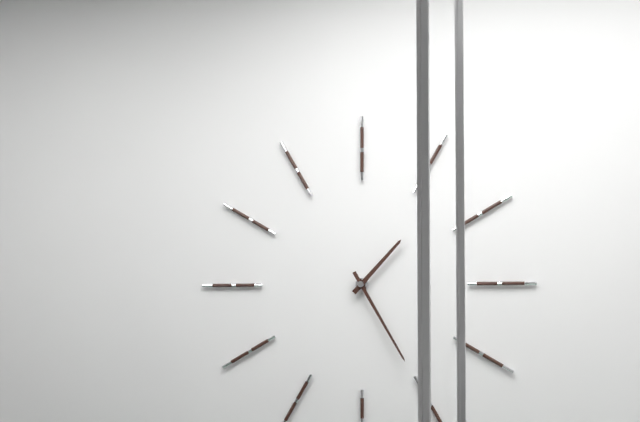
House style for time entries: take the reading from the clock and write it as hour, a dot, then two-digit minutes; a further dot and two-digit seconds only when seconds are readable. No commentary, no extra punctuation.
1.25
